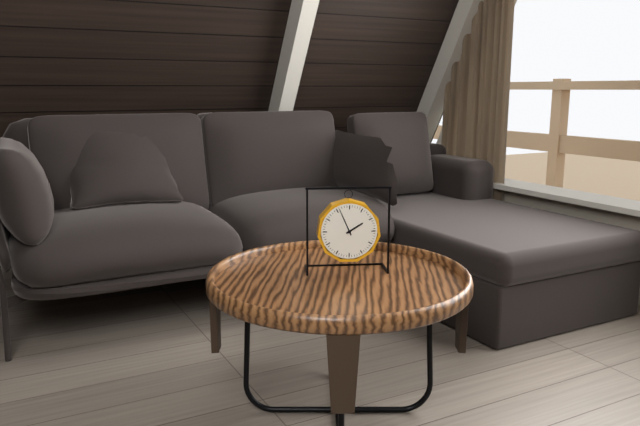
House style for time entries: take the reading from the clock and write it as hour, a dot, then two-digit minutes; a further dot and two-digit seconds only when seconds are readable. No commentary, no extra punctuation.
1.56
